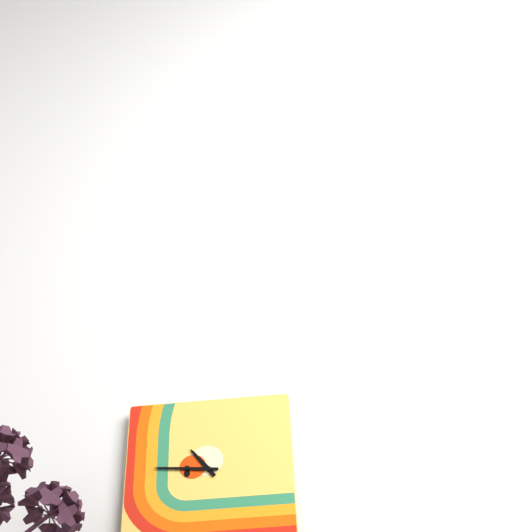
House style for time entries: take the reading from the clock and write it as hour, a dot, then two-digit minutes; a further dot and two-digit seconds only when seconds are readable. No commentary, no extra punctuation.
10.46
